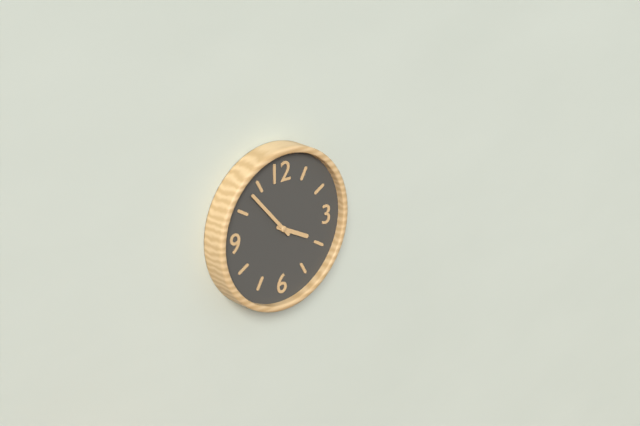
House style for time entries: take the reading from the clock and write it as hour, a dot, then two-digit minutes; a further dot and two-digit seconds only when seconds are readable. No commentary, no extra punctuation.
3.53
